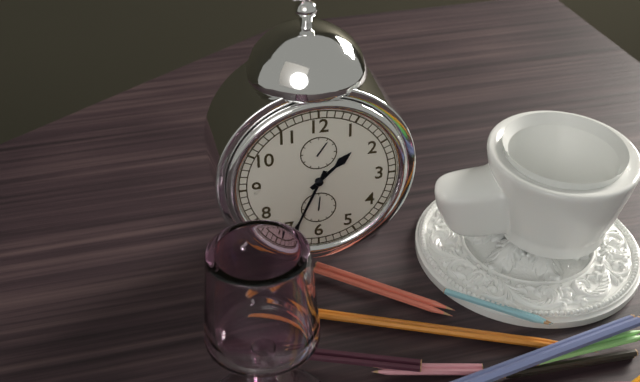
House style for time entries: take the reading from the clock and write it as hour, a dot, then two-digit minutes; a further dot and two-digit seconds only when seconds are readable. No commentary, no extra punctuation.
1.34
